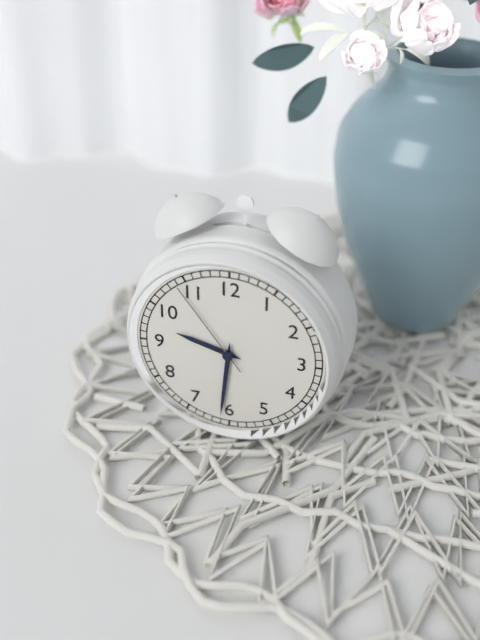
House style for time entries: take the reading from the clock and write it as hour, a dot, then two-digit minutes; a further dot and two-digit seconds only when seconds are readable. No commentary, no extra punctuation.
9.31.54
